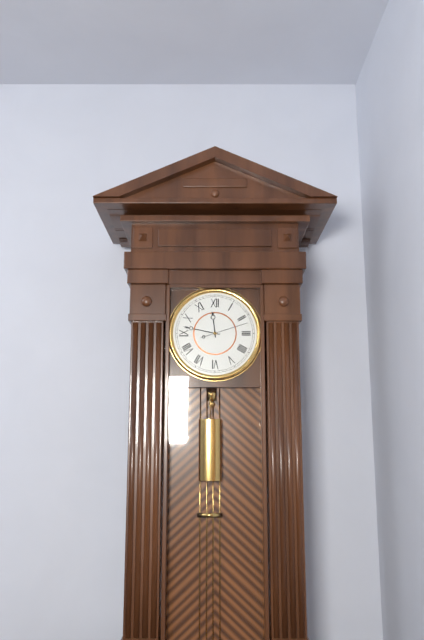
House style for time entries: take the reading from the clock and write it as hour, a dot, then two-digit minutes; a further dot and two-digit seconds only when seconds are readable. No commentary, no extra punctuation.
11.47
